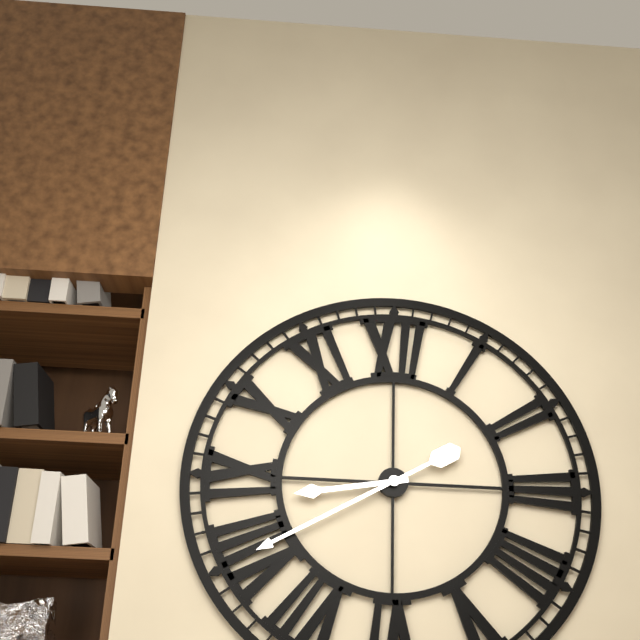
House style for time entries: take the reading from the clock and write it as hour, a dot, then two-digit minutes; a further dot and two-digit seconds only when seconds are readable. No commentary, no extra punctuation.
8.40
